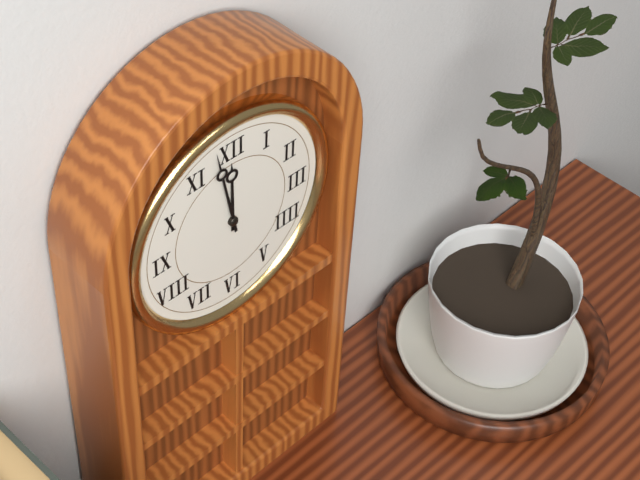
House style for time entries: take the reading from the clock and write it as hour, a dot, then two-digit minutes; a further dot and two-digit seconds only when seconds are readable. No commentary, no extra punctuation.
11.58
